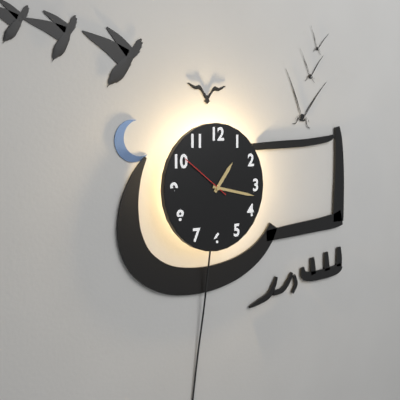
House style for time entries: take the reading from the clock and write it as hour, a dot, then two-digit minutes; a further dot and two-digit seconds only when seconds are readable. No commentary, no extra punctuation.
1.17
